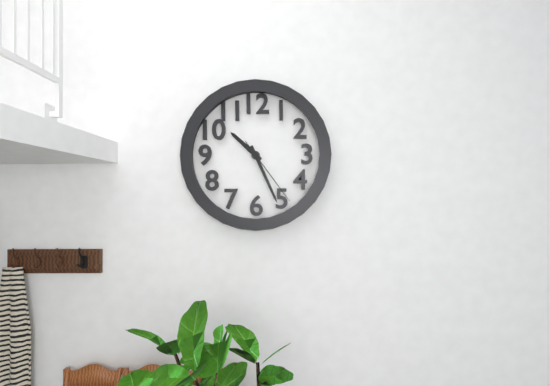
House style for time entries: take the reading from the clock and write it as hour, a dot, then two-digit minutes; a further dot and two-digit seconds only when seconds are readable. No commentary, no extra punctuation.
10.26.24
